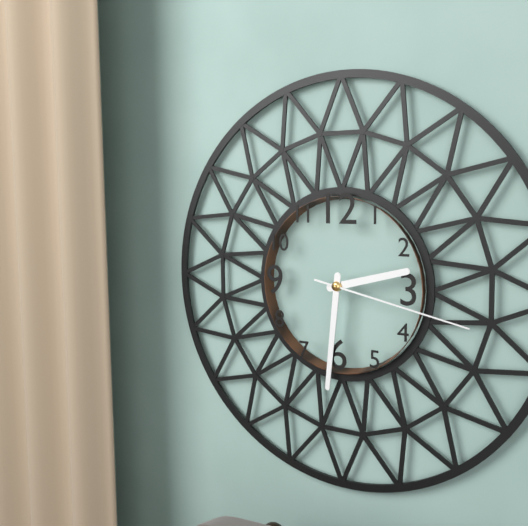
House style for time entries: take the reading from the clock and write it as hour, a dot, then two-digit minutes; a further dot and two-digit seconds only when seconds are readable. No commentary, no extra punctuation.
2.31.17
